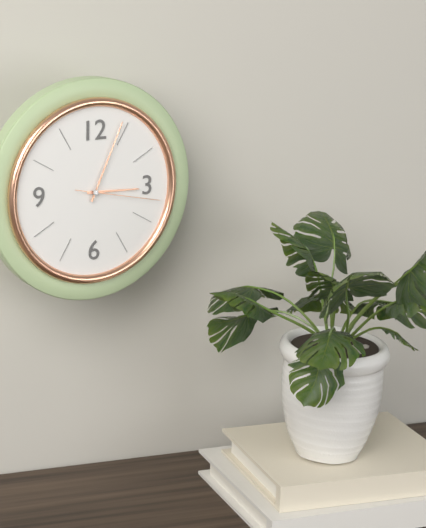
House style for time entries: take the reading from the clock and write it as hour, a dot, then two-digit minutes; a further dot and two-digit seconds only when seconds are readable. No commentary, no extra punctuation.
3.04.17
